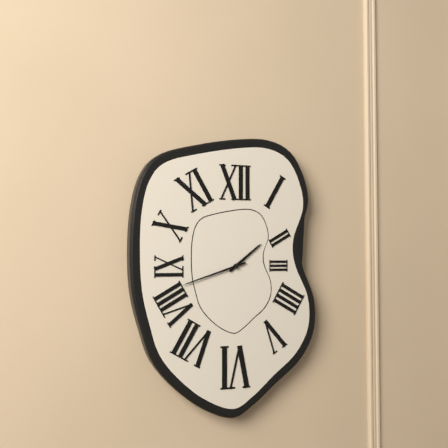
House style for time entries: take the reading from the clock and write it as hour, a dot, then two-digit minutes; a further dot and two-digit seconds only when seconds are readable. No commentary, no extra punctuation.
1.42
